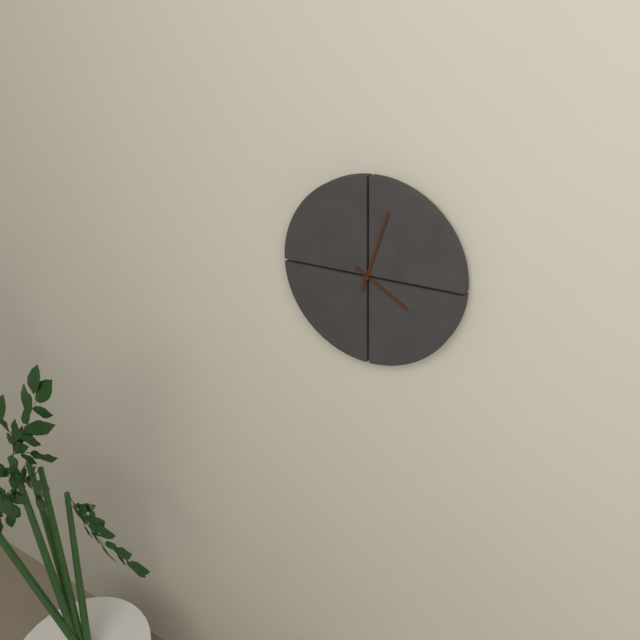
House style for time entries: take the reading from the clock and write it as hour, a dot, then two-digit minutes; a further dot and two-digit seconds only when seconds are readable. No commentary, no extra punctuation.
4.03
